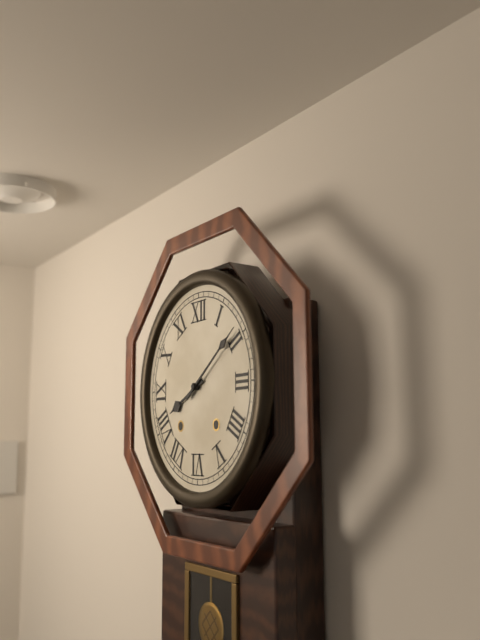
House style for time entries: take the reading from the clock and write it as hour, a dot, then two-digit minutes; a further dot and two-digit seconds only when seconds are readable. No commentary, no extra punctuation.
8.09
